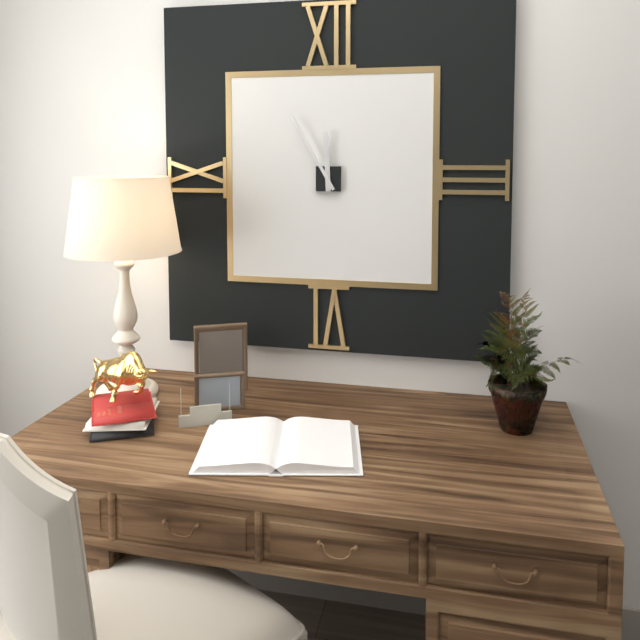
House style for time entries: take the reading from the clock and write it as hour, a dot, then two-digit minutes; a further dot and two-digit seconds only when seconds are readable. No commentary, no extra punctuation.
11.55
